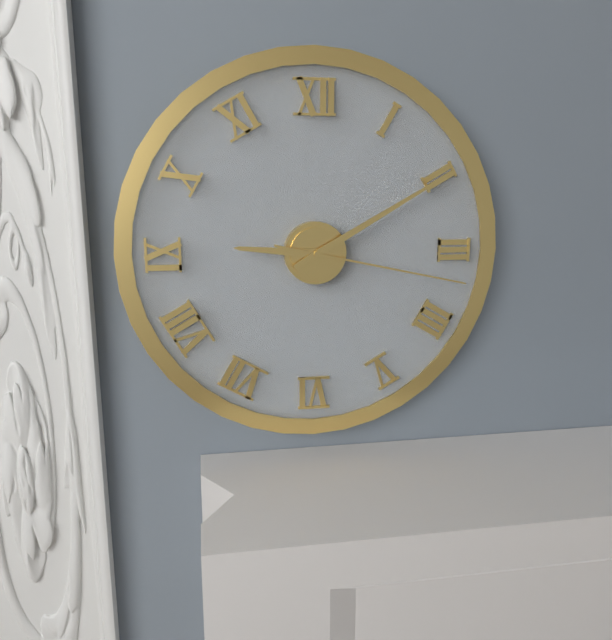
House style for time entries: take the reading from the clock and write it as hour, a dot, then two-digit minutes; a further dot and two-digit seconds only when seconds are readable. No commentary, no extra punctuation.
9.10.17
